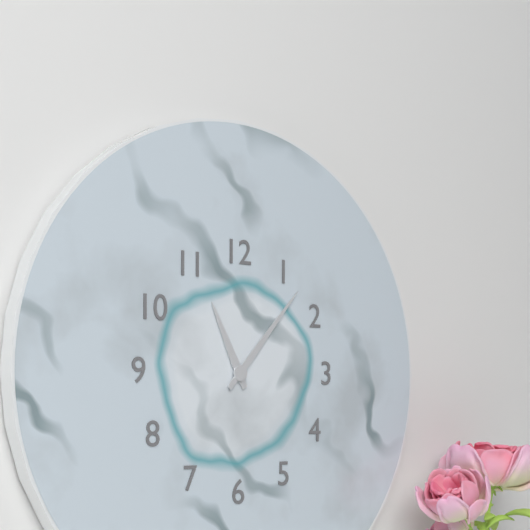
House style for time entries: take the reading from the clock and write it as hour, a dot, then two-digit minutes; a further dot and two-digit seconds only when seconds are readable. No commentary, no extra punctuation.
11.07
